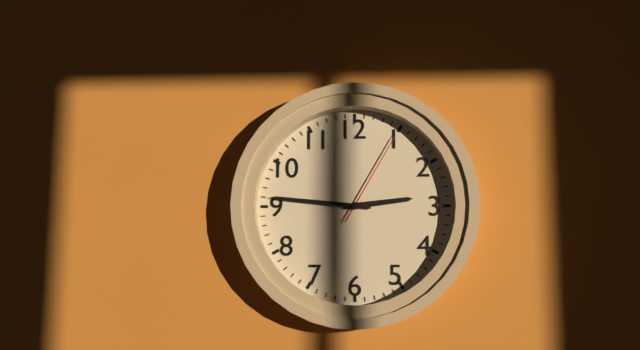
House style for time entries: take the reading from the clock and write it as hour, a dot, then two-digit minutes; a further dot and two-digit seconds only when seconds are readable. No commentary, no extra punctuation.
2.46.05
